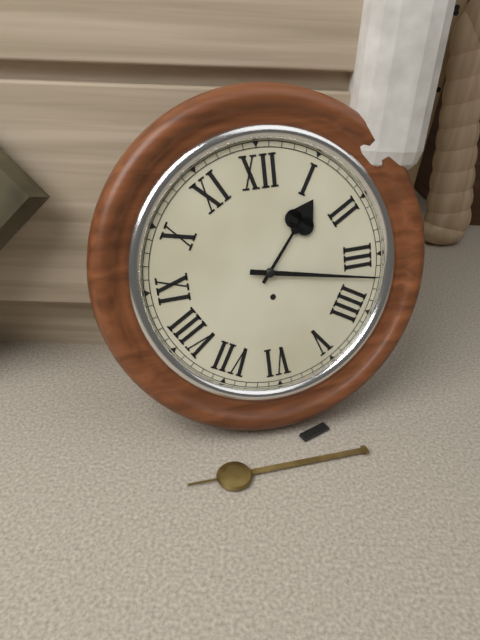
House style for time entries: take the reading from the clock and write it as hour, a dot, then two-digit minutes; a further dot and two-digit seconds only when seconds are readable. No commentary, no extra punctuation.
1.17
